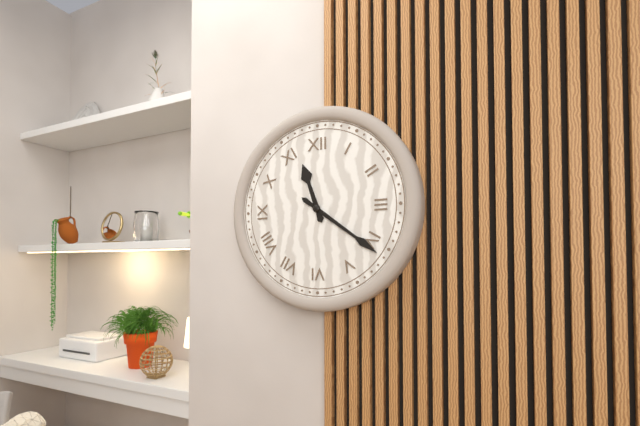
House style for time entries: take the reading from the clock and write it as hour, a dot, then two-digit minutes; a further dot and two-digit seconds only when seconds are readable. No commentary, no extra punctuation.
11.21
